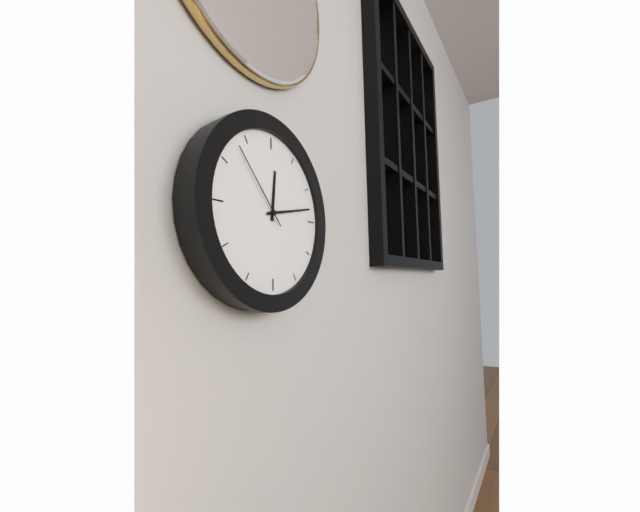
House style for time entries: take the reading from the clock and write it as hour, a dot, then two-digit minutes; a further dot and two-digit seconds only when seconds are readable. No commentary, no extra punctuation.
12.13.53
